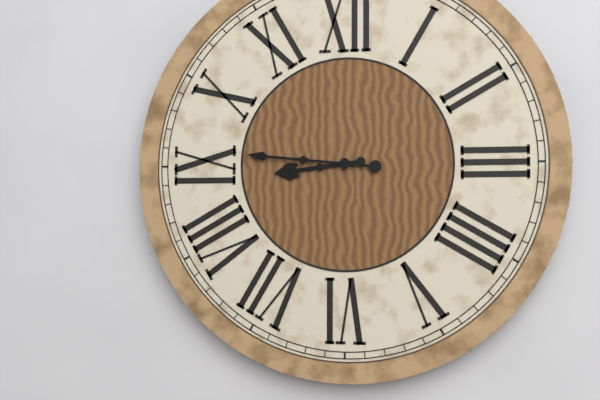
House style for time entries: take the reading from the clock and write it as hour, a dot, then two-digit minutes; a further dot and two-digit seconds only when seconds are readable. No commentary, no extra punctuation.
8.46
